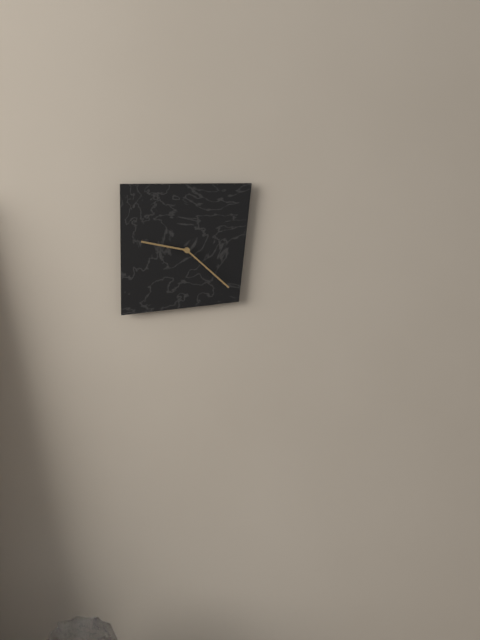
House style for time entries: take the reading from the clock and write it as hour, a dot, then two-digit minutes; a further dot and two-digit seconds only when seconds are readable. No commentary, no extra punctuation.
9.22
